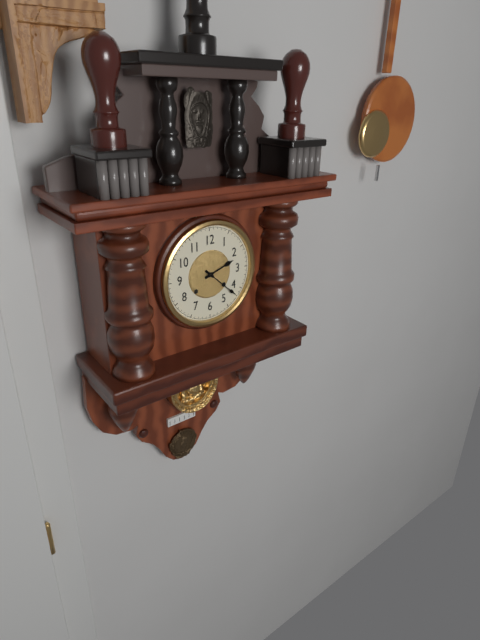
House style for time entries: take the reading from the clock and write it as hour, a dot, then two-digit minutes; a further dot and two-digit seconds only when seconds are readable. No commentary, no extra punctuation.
2.22
